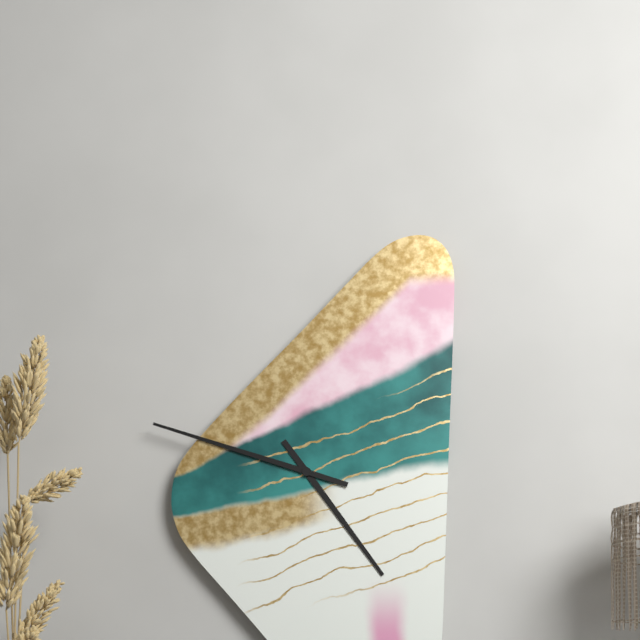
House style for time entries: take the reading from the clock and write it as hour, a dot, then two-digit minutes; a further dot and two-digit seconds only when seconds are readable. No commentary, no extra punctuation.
4.48
